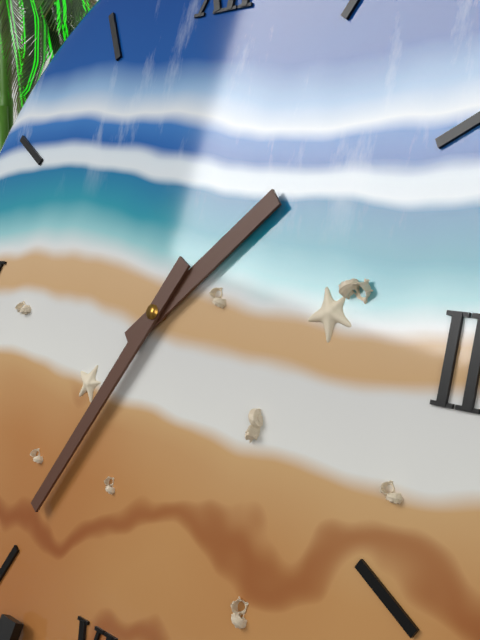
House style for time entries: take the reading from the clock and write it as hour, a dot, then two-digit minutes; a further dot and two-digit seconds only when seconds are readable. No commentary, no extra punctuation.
1.35
